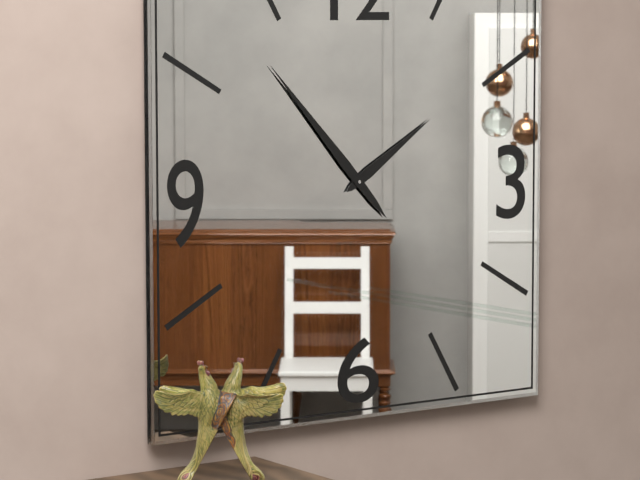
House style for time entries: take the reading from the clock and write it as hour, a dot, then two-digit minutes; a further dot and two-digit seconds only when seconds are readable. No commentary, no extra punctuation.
1.53
